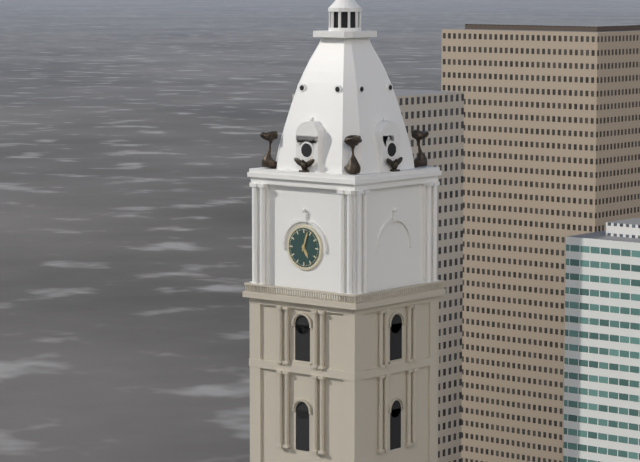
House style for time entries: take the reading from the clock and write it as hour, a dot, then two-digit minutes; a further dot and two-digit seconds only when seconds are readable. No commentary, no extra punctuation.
5.03
